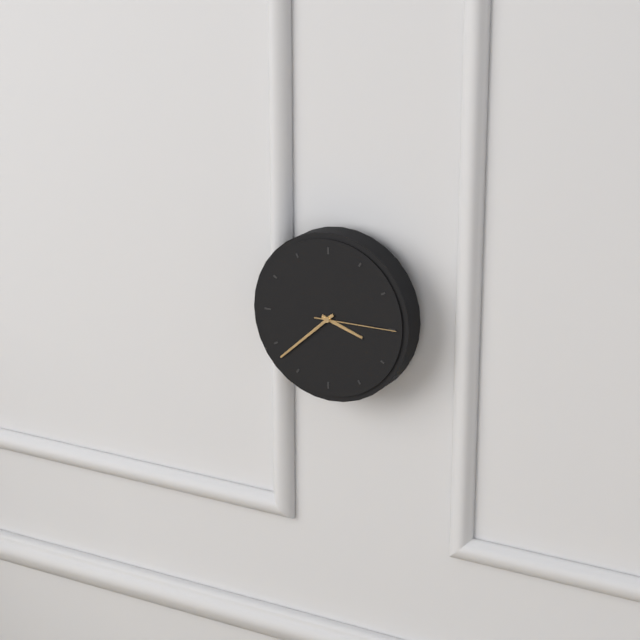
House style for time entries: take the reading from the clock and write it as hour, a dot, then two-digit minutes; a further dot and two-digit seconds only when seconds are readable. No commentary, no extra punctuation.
3.38.15
